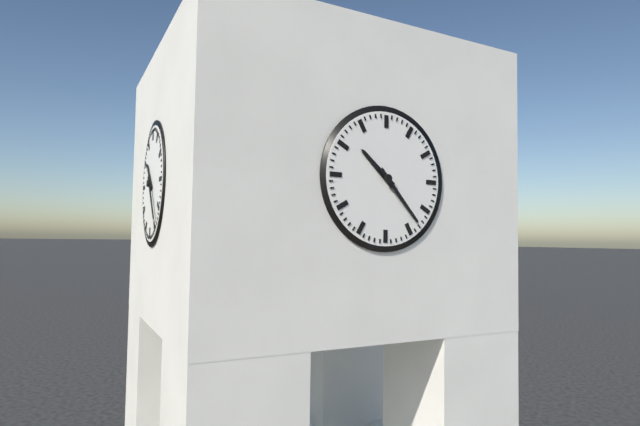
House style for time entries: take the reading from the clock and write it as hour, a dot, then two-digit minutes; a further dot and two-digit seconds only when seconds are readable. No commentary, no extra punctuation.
10.23
